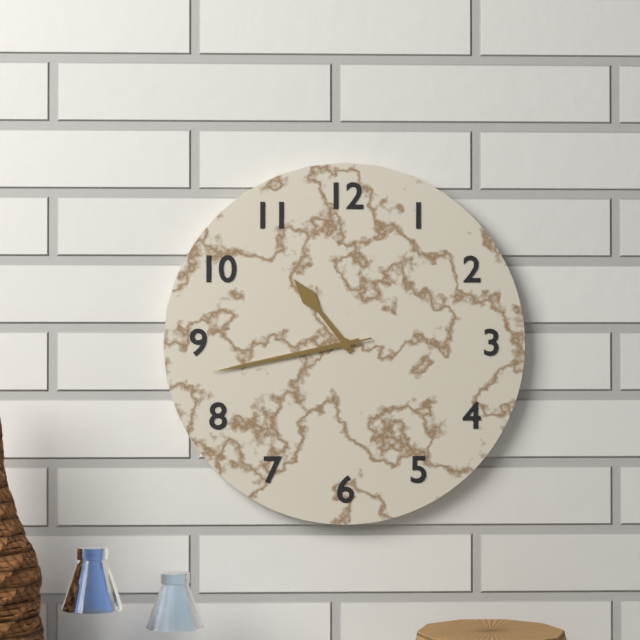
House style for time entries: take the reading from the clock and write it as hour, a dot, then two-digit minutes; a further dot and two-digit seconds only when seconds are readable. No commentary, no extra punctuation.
10.43.43
